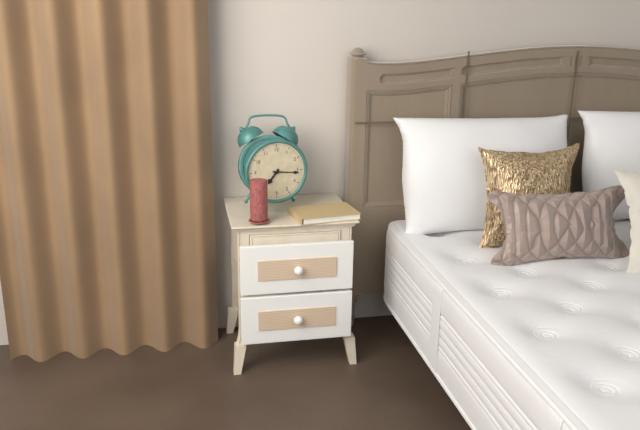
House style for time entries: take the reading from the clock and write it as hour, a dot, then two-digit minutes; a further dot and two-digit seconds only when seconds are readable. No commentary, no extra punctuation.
7.16
